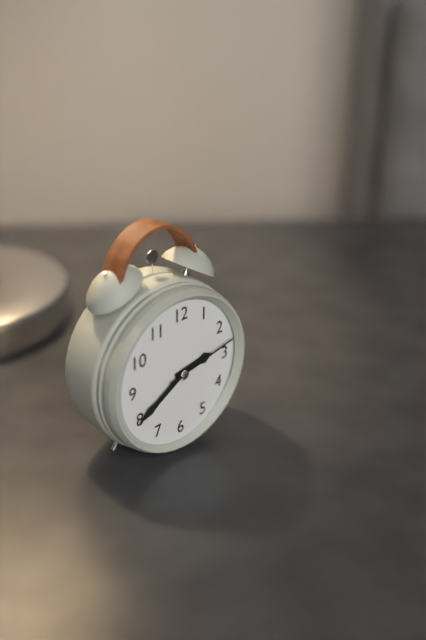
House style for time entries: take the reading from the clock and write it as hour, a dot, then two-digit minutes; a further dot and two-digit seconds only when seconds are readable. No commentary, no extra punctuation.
2.40.13
